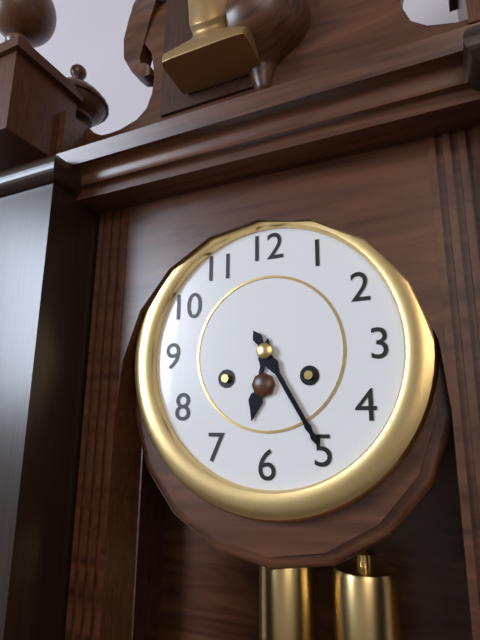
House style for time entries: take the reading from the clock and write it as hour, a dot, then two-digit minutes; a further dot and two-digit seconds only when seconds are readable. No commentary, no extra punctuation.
6.25
